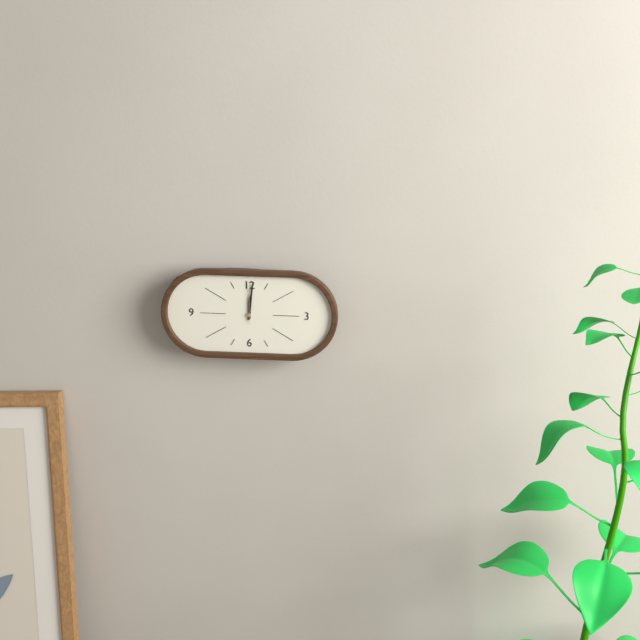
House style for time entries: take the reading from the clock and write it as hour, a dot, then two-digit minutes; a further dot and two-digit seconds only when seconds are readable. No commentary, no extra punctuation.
12.01
